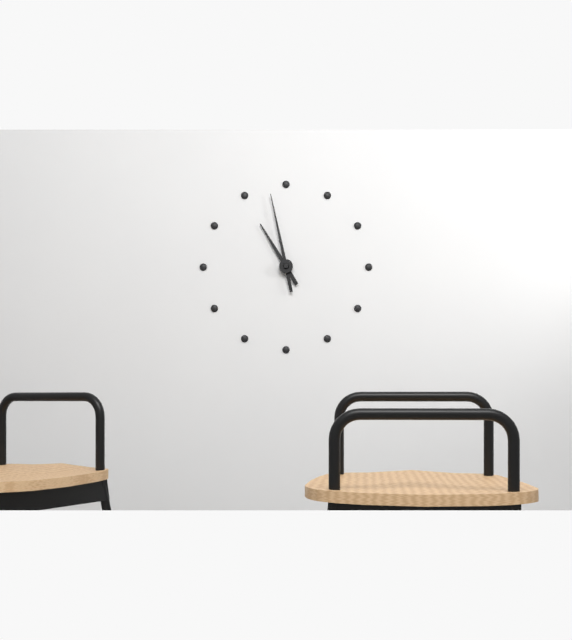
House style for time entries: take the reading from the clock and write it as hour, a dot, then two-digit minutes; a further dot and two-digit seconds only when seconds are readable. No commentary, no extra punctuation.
10.58
